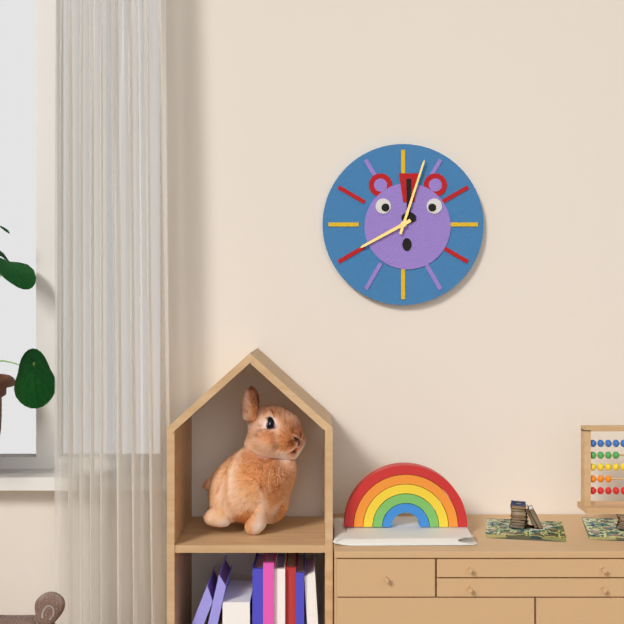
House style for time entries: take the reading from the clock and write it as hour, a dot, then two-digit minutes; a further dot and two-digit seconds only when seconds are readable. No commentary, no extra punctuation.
8.03
